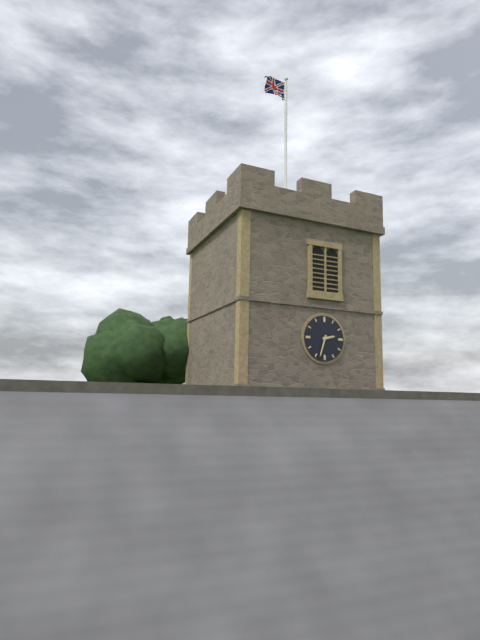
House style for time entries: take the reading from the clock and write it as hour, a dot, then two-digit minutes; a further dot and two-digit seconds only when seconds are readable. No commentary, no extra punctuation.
2.33
